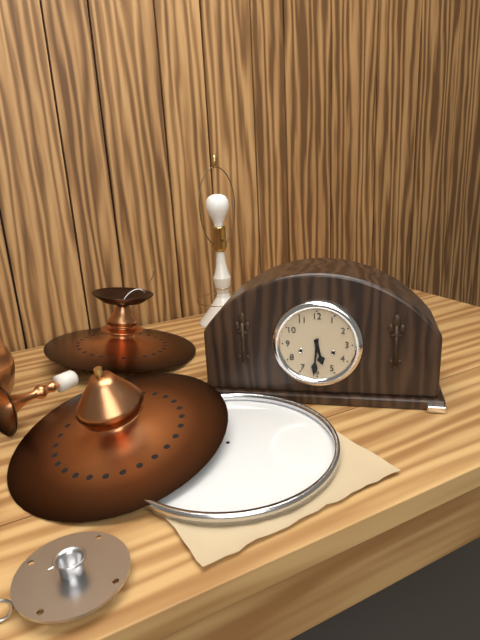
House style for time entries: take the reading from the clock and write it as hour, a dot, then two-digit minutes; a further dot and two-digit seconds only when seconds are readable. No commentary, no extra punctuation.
5.31
